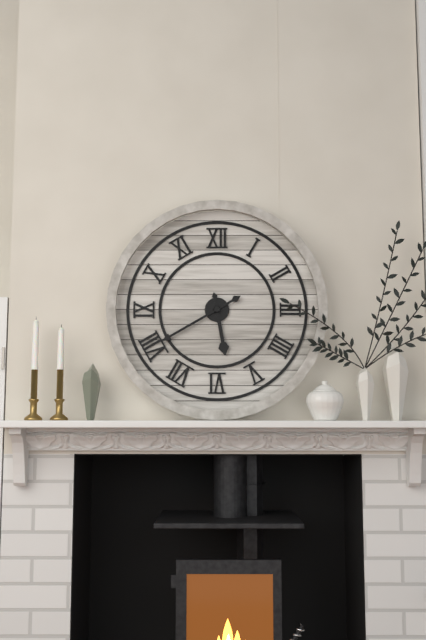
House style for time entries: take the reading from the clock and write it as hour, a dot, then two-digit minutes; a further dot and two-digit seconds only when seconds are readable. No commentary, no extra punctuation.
5.40
